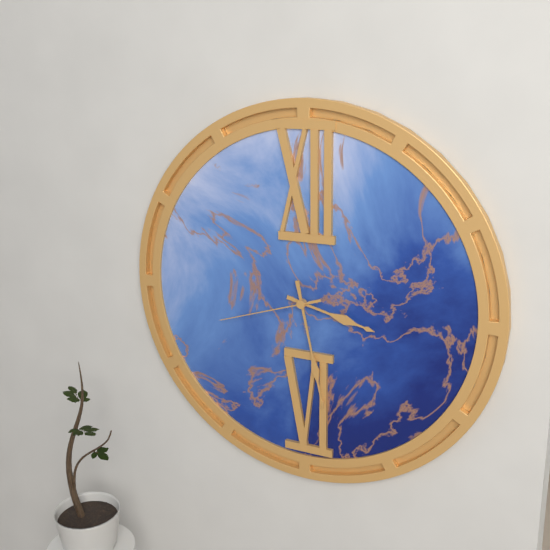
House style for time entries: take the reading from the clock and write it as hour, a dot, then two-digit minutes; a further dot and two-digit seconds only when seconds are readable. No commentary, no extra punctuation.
3.28.42
